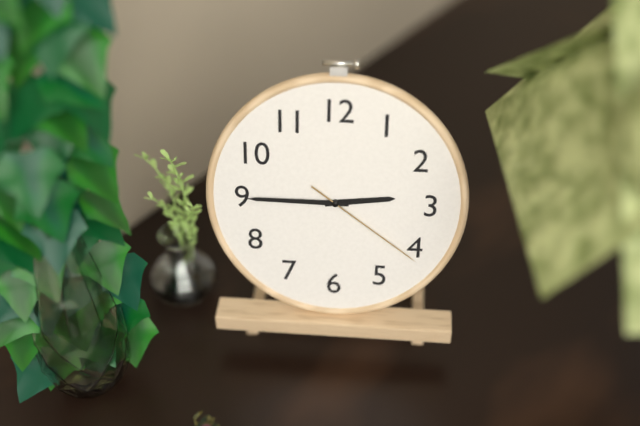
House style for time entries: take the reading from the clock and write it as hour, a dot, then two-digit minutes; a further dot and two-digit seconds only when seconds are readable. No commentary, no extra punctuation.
2.45.21
